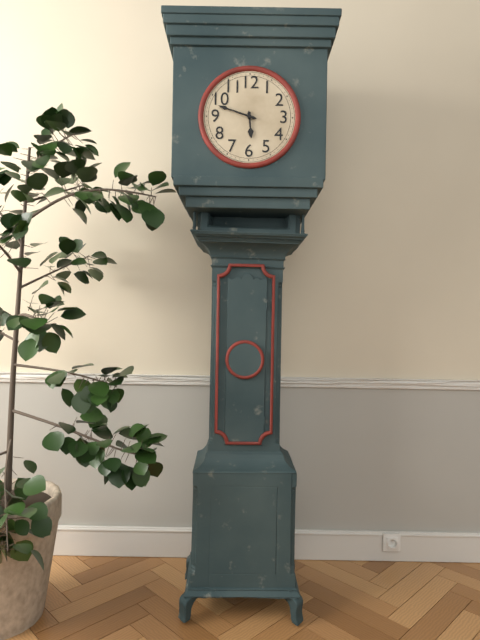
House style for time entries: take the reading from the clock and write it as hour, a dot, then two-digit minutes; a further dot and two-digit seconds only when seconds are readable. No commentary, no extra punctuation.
5.48
